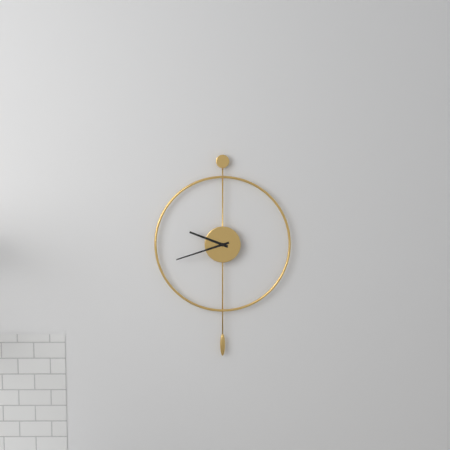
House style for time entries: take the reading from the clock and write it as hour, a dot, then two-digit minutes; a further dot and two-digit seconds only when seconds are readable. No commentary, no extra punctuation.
9.42
